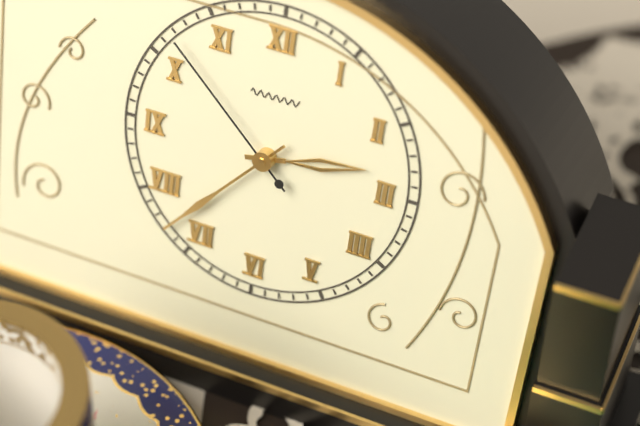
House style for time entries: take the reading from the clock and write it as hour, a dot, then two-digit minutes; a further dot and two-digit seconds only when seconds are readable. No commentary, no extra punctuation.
2.37.52
